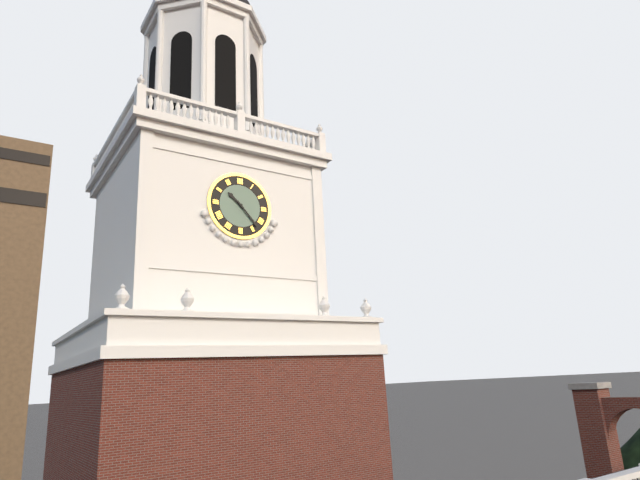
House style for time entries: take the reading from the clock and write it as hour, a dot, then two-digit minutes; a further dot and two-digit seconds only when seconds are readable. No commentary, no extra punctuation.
10.23
